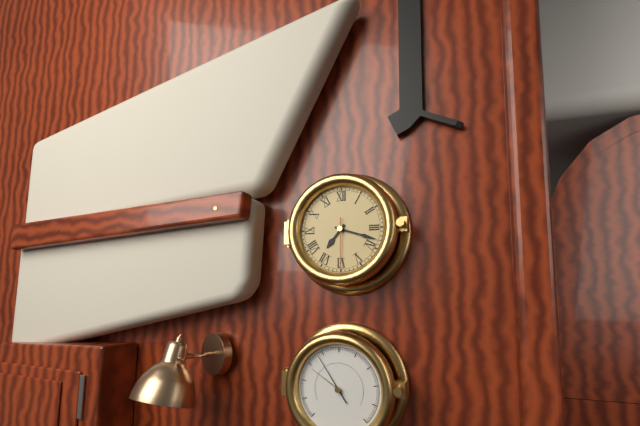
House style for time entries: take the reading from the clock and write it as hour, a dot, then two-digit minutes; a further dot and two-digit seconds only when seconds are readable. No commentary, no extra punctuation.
7.18
